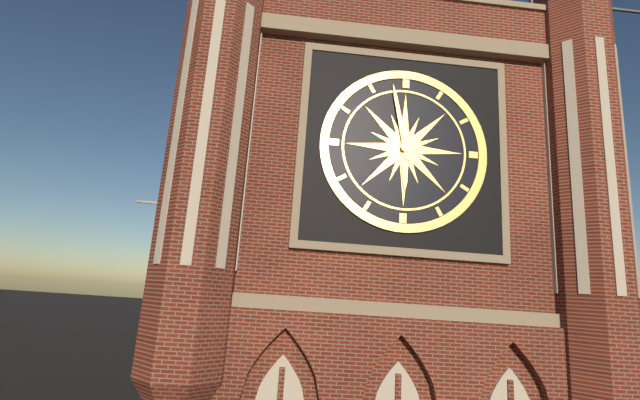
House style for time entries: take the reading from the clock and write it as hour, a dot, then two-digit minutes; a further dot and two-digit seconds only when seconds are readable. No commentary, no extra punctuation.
5.58
